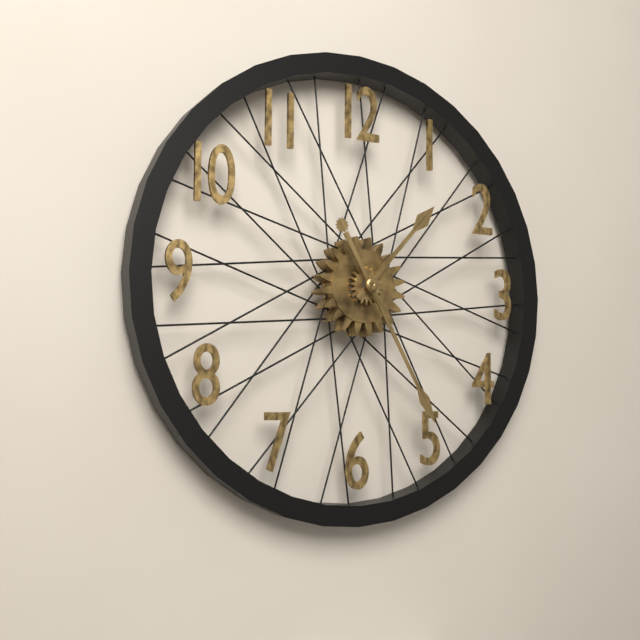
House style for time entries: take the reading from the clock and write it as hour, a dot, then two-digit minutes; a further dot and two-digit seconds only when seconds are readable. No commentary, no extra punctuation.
1.25
